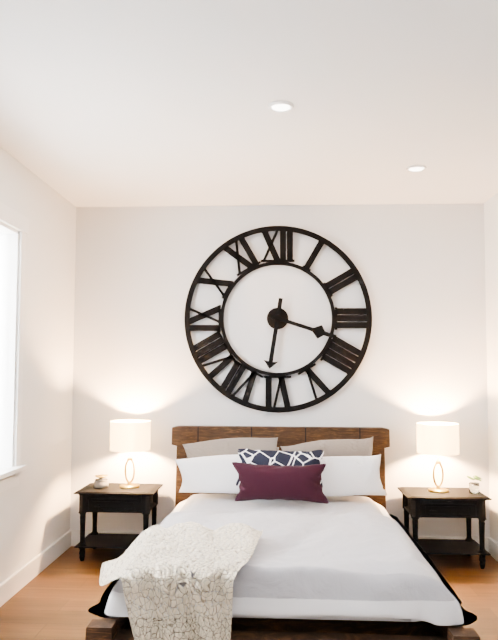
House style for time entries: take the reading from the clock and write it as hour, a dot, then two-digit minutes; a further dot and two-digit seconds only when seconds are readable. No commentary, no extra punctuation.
6.18
